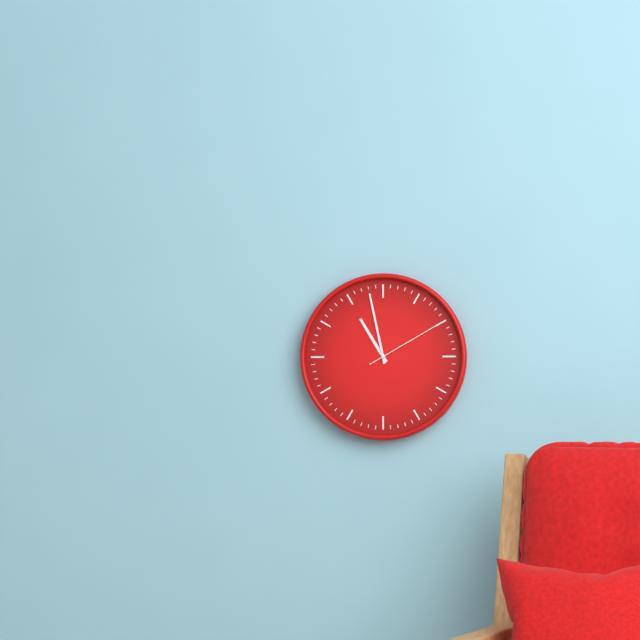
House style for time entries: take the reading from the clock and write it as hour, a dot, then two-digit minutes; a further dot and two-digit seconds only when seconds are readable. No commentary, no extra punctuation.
10.58.10
